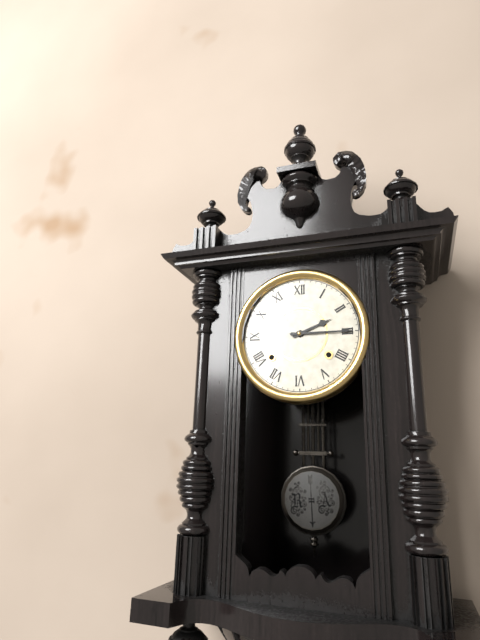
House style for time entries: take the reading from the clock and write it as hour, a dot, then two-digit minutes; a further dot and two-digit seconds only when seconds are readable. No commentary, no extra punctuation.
2.15
